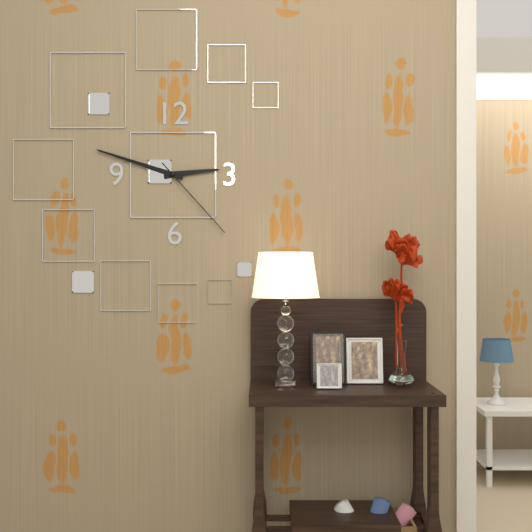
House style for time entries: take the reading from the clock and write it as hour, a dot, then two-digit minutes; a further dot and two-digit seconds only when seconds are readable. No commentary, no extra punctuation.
2.48.23
